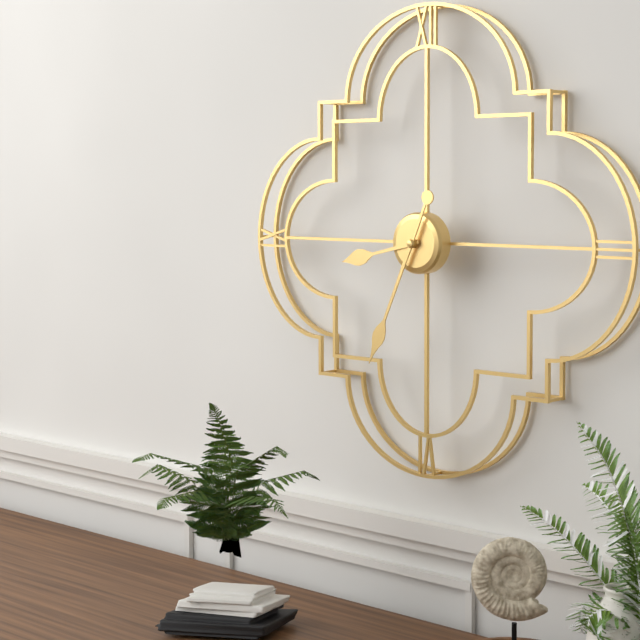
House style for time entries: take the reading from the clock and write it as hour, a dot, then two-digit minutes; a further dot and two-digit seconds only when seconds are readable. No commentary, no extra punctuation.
8.34
